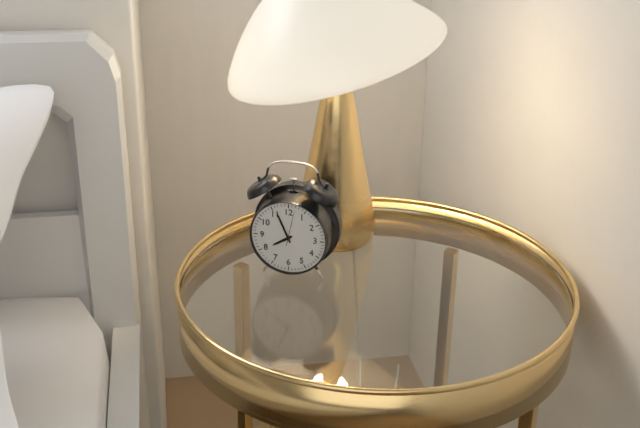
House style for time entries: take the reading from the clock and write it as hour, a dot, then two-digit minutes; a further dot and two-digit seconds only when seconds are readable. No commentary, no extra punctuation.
7.56
